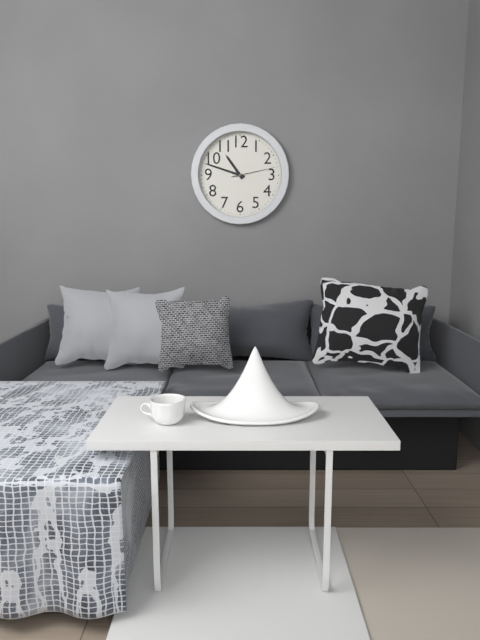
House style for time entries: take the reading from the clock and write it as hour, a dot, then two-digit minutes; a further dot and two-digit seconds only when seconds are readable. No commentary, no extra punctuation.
10.48
